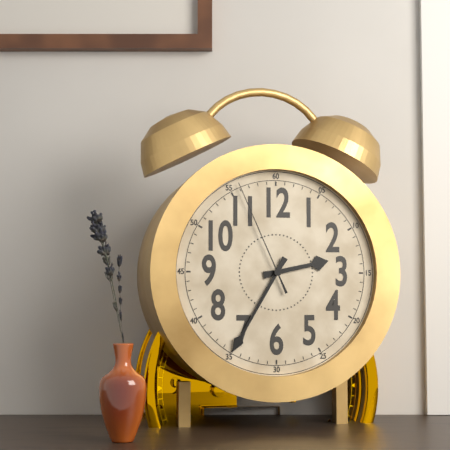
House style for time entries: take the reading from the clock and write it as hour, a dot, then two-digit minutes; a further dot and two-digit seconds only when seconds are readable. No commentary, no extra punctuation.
2.35.56
